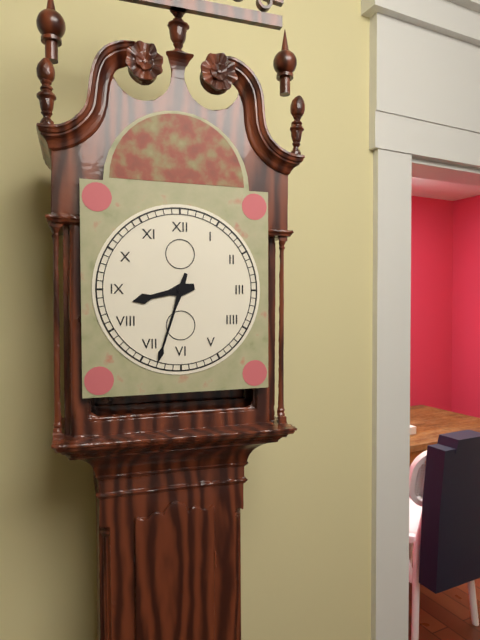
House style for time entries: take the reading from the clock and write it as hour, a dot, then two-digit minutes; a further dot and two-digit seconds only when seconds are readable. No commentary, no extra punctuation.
8.33
